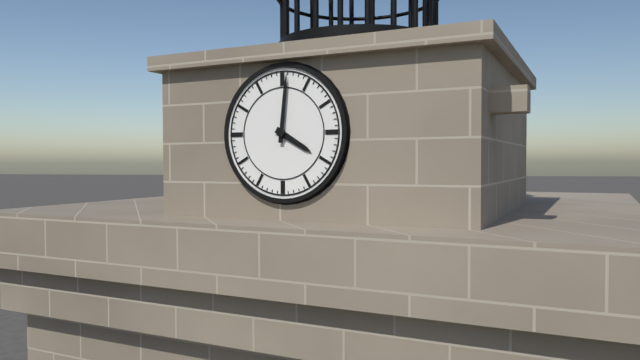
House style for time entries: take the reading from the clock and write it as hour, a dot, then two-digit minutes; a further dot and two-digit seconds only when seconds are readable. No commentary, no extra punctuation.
4.01
